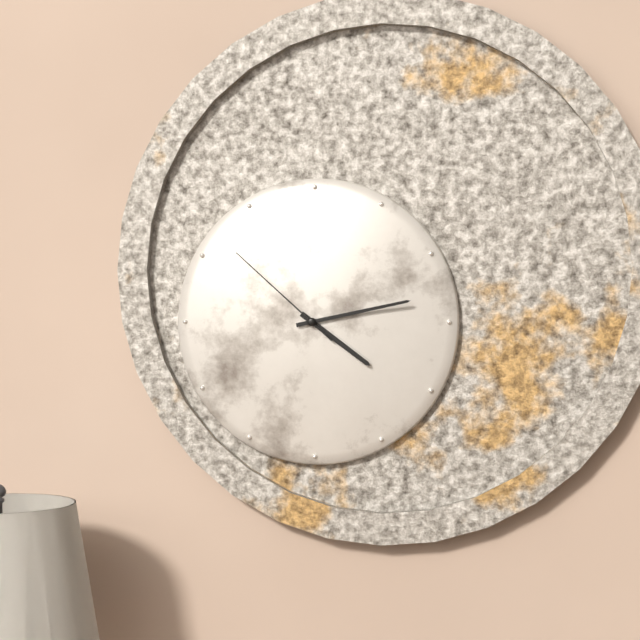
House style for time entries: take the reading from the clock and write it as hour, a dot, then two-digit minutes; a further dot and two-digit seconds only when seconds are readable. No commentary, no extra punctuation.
4.13.52
